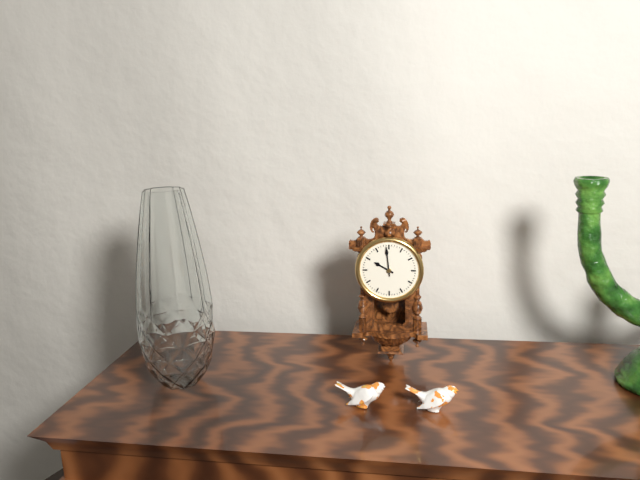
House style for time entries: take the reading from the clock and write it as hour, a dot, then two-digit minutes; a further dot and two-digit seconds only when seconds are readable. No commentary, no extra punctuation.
9.59
